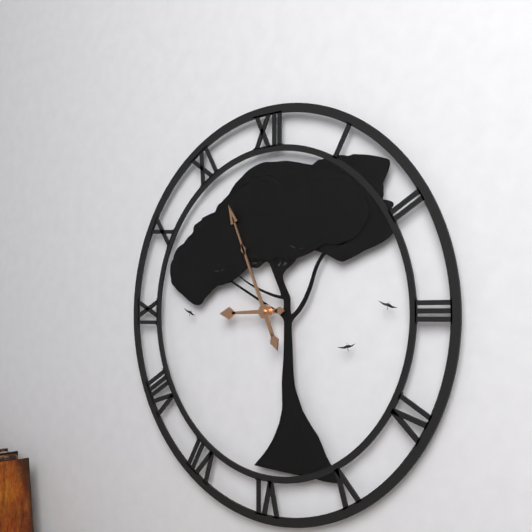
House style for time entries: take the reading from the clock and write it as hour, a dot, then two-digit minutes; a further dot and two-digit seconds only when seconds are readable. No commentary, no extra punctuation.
8.56
